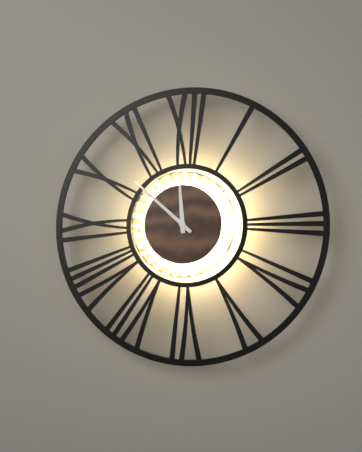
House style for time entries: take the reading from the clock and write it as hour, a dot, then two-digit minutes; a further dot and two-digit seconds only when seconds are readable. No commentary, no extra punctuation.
11.52
